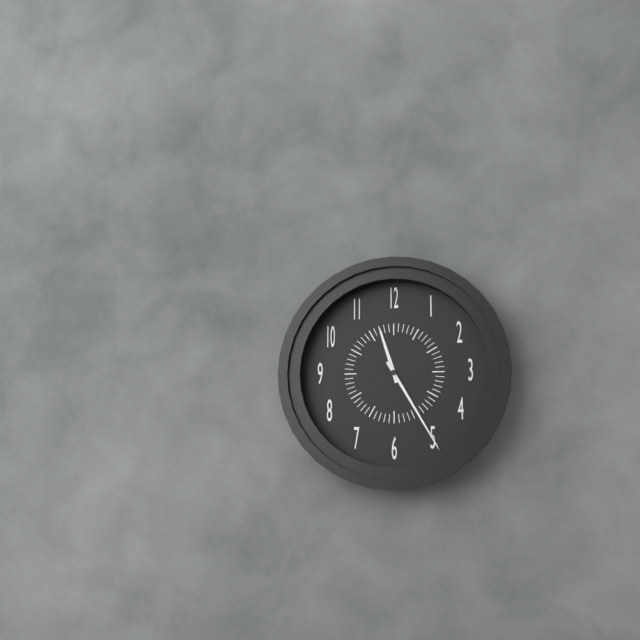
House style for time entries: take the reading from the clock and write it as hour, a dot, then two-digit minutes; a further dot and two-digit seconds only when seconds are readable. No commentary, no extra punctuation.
11.25
